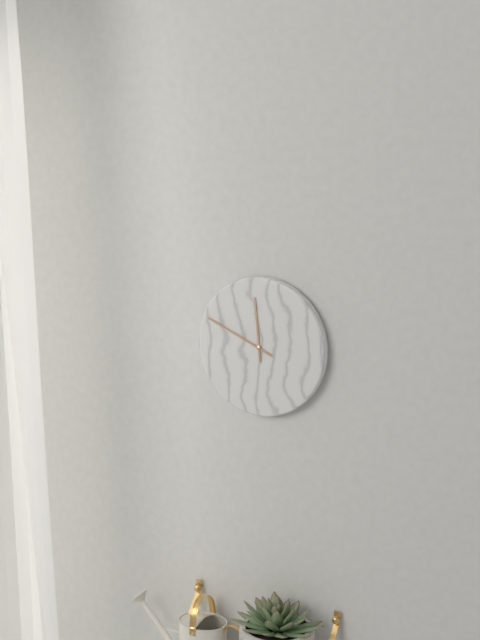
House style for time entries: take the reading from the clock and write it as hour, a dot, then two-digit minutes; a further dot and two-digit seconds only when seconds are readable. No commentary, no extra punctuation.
11.49
